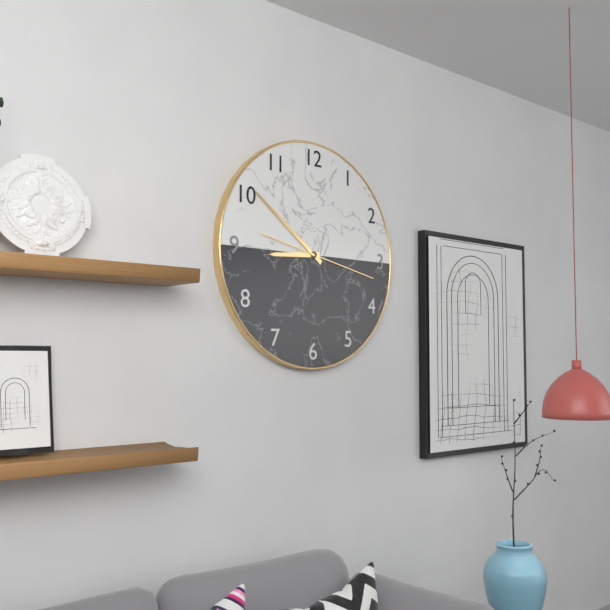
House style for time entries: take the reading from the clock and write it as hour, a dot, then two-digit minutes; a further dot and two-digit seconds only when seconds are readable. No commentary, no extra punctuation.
8.51.17
